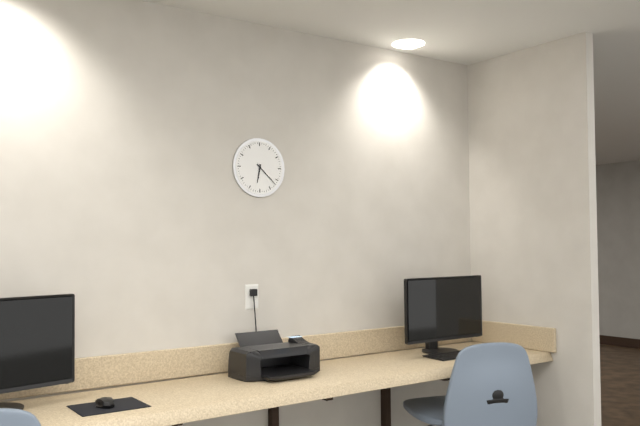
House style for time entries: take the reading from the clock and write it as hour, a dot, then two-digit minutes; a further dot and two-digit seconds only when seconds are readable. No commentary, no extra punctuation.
6.22
